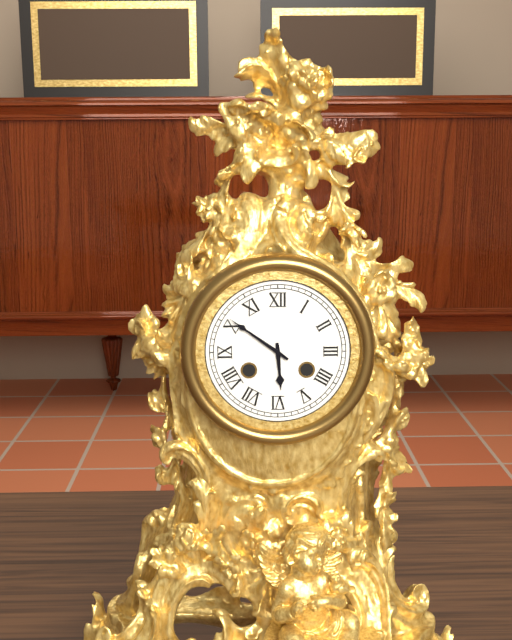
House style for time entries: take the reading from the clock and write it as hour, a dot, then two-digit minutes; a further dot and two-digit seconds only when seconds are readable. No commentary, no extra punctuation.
5.51
